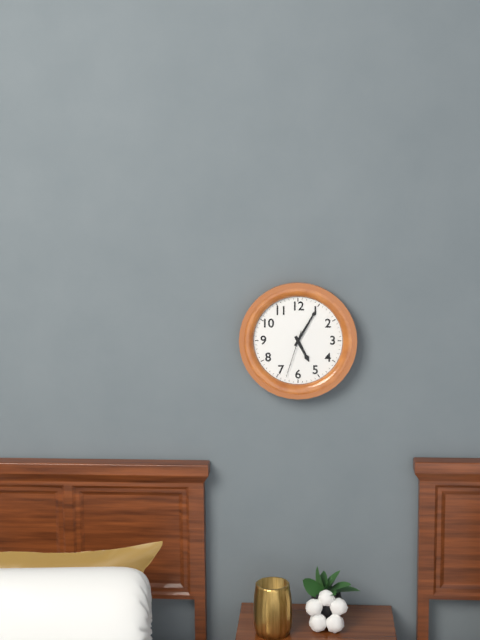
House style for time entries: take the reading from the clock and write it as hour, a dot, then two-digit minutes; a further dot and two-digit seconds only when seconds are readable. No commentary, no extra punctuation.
5.05
